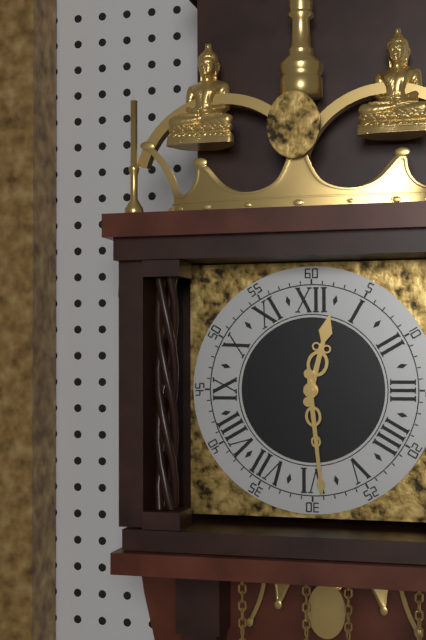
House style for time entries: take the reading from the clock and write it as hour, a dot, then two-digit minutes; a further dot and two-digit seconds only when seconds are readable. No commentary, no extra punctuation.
12.29
